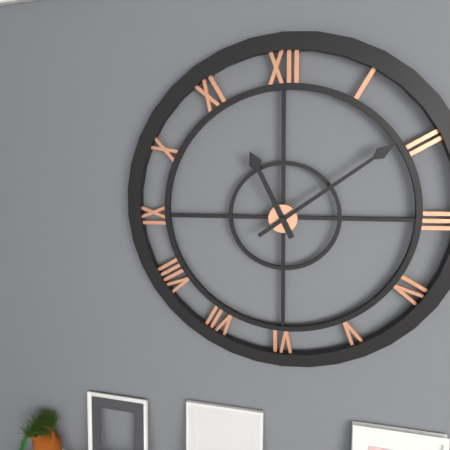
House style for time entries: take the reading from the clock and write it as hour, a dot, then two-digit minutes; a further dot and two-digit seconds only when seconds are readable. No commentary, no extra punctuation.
11.09
